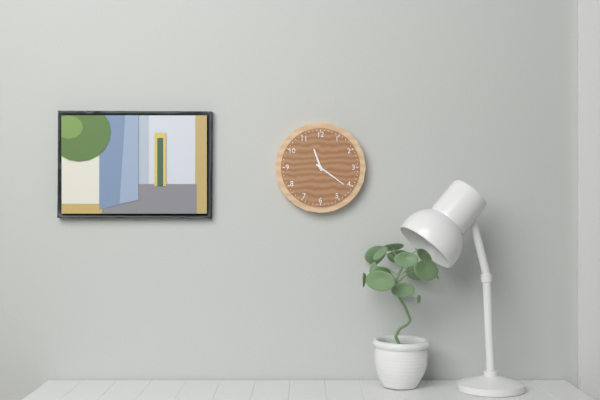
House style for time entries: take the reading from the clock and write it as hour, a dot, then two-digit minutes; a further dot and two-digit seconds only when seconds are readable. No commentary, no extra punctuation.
11.21
